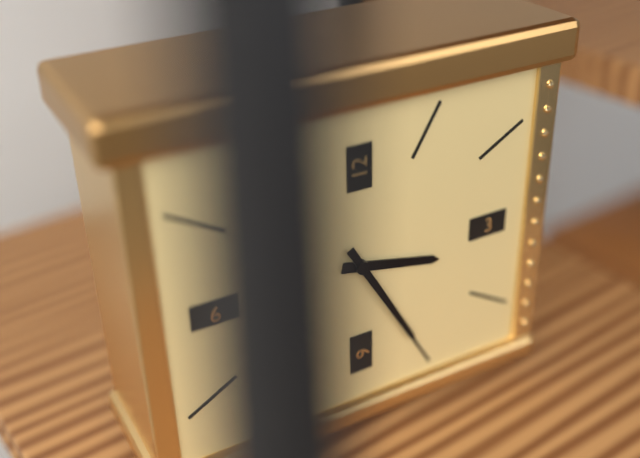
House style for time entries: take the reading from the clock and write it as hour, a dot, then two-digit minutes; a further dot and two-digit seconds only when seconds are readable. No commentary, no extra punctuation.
3.25
